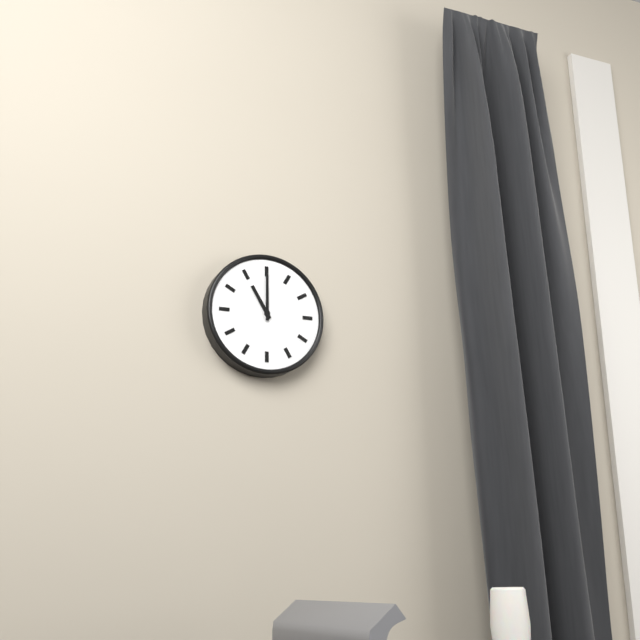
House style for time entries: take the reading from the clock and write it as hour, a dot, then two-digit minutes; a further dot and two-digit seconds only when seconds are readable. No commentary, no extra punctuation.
11.00
